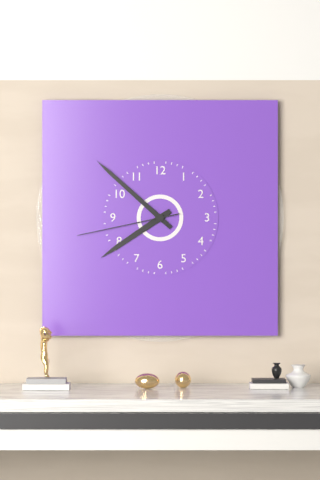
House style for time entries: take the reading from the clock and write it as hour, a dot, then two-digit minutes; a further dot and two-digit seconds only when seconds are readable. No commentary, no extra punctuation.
7.52.43
